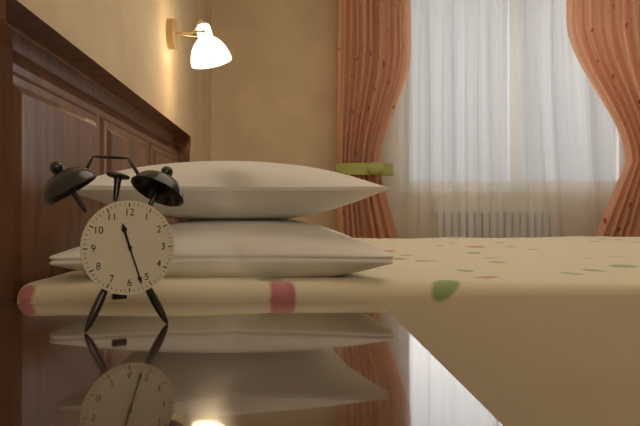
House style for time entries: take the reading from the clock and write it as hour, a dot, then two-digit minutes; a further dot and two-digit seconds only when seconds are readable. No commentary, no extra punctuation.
11.27
